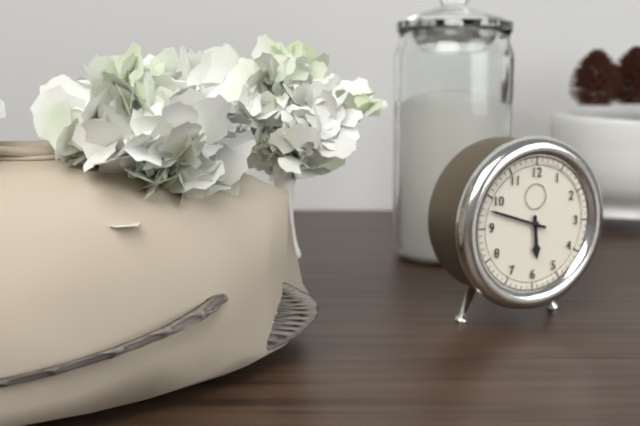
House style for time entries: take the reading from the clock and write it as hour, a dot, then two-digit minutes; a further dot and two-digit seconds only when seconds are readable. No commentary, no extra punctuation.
5.48
